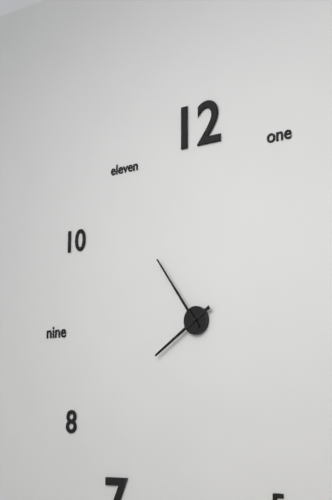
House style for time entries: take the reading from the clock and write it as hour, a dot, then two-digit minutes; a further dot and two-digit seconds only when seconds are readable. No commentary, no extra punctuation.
7.54
